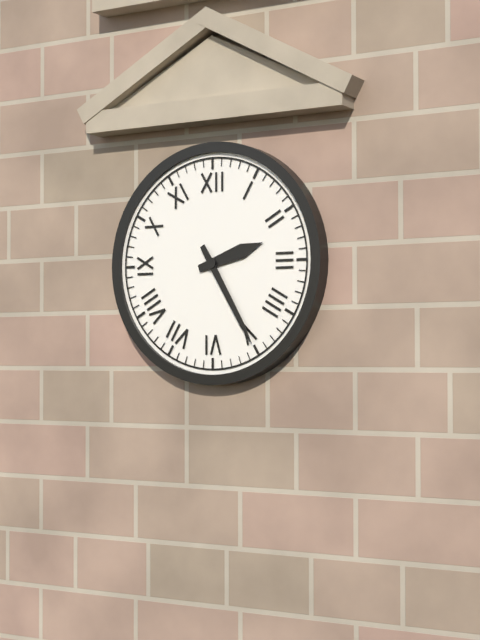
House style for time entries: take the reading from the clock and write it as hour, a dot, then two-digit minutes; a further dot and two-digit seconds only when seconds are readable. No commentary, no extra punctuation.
2.25
